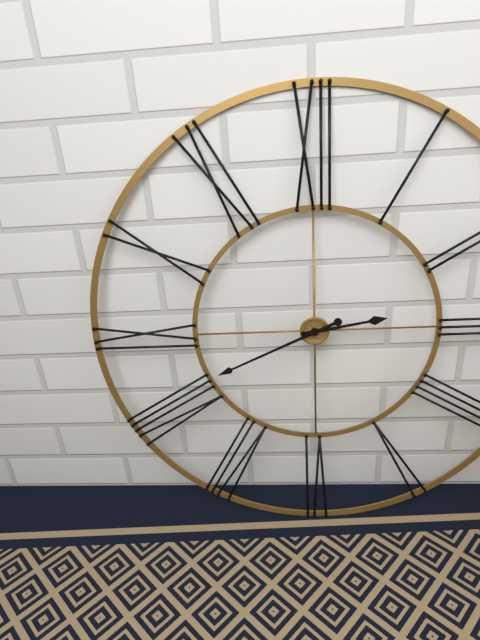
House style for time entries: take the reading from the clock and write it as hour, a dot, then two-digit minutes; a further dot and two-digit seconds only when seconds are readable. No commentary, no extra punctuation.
2.41
